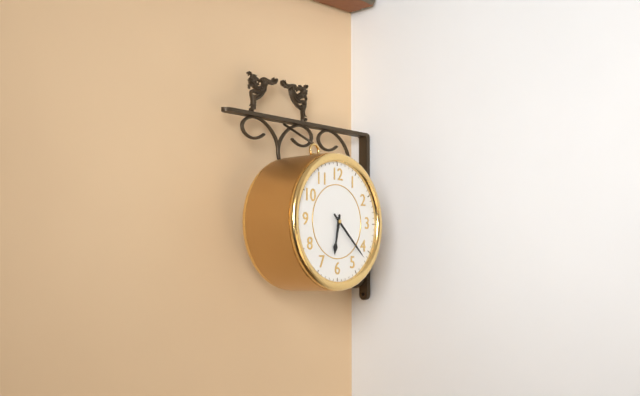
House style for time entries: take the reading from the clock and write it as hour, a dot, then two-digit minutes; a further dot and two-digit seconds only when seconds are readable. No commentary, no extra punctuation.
6.22
